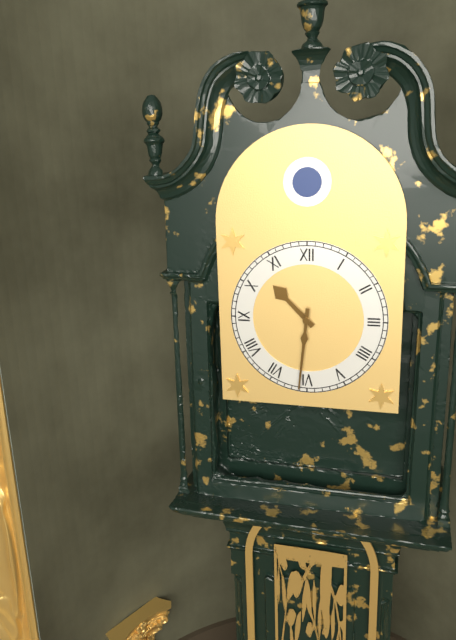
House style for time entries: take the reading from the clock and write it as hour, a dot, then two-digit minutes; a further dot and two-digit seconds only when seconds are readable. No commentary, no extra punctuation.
10.31
